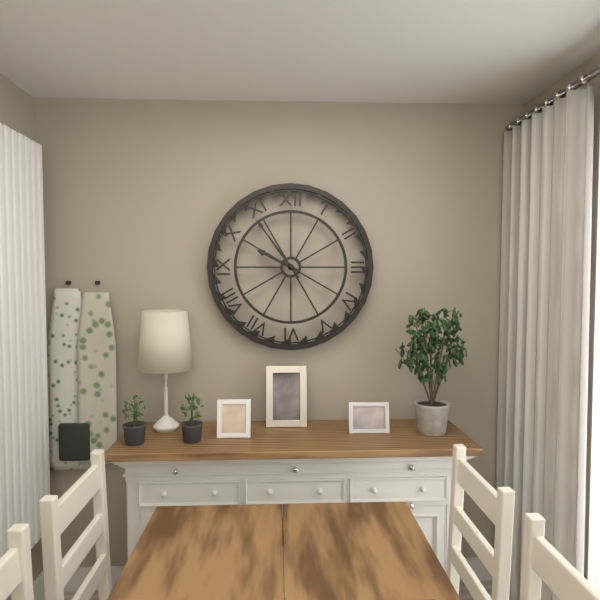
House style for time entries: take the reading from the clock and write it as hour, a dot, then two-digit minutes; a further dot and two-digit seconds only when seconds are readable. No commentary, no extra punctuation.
9.54
